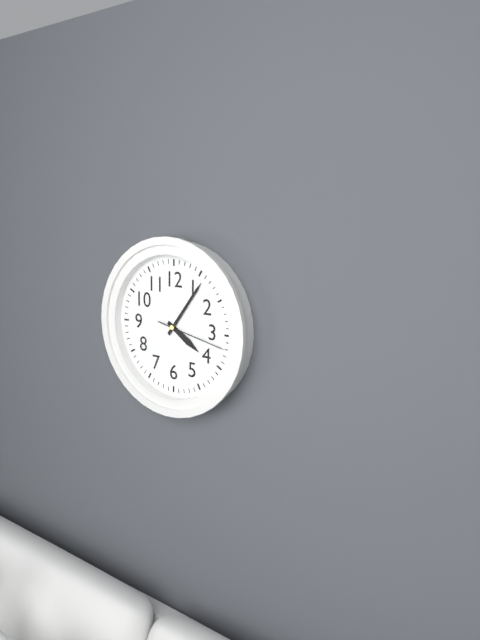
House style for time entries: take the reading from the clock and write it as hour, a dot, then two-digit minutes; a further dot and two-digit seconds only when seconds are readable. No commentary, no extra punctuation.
4.06.17
